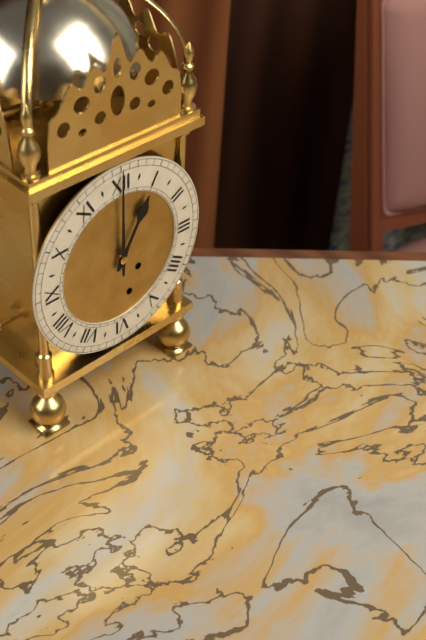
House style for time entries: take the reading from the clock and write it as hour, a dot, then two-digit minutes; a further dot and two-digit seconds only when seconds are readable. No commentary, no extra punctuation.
1.00
